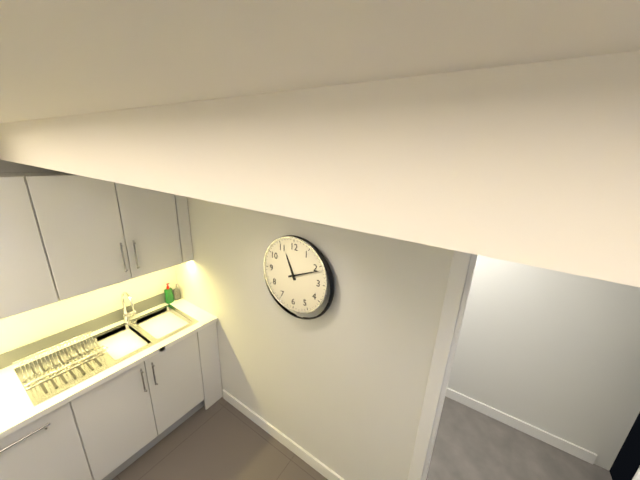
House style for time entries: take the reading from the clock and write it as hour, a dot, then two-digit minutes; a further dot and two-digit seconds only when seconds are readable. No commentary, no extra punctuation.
11.11
